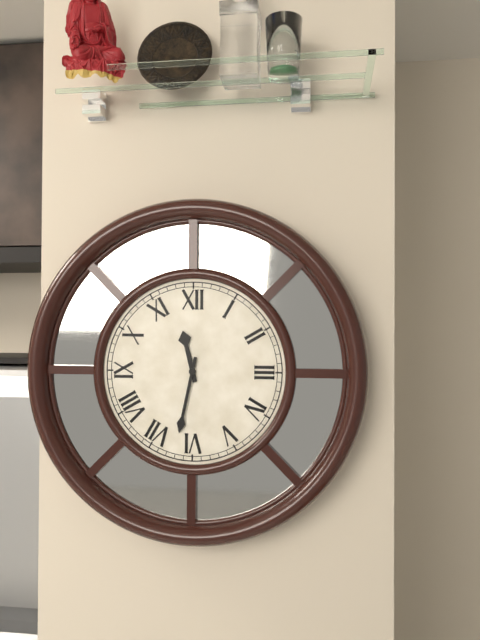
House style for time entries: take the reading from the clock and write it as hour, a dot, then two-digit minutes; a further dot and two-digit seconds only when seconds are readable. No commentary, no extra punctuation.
11.32
